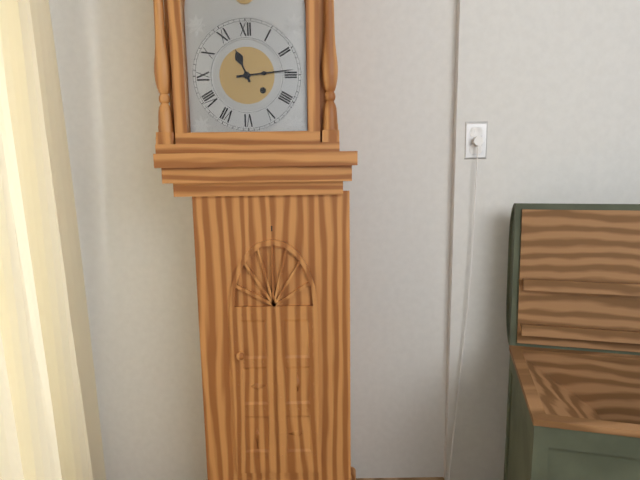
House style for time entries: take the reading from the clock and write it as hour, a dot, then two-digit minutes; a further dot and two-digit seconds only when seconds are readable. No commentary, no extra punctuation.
11.14
